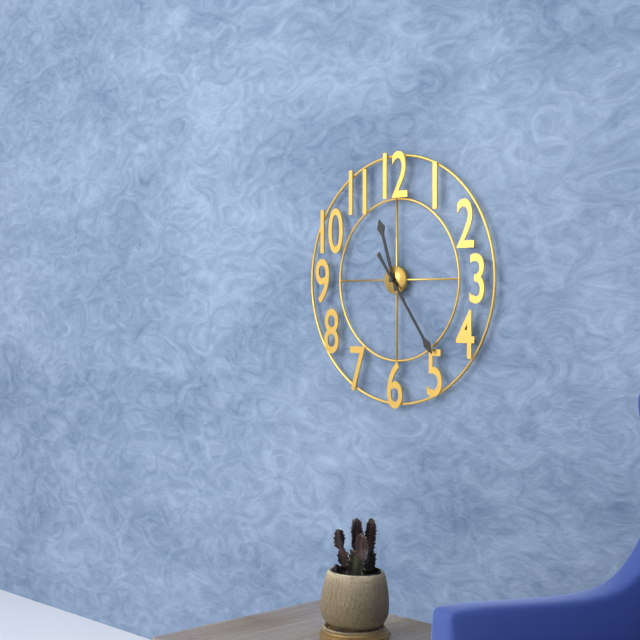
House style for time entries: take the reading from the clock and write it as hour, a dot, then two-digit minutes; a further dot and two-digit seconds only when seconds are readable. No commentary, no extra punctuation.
11.24
